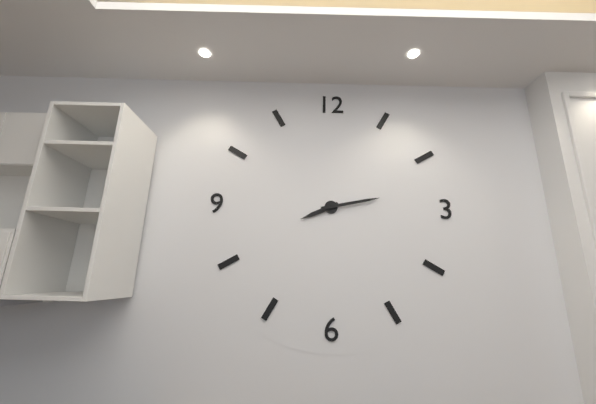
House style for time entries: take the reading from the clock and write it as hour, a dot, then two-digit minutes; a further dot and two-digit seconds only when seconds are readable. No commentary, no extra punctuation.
8.13
